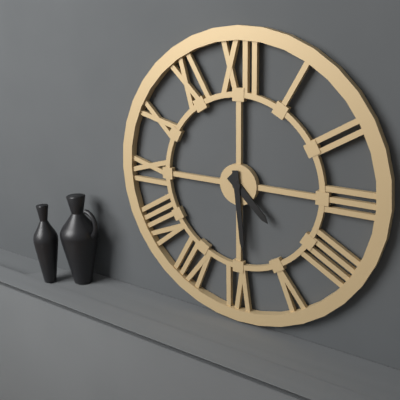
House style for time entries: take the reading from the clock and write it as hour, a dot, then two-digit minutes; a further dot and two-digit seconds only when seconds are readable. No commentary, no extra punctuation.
4.29
